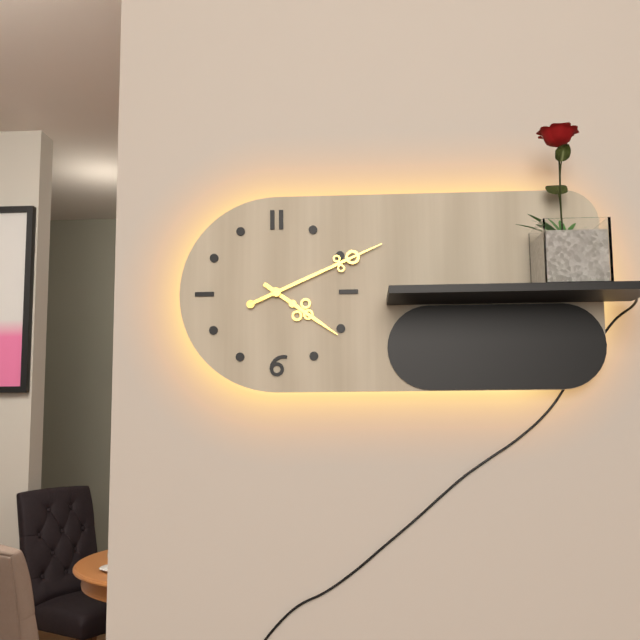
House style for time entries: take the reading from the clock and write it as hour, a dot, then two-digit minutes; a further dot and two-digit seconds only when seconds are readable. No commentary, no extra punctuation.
4.11
